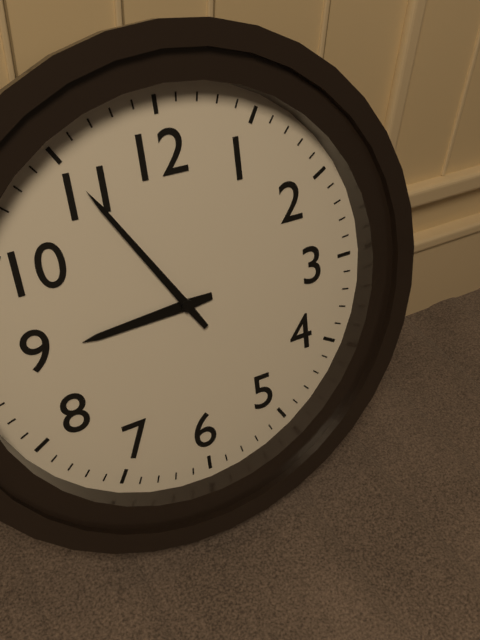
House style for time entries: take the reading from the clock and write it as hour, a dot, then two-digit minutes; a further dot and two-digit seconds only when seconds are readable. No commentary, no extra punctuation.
8.55
